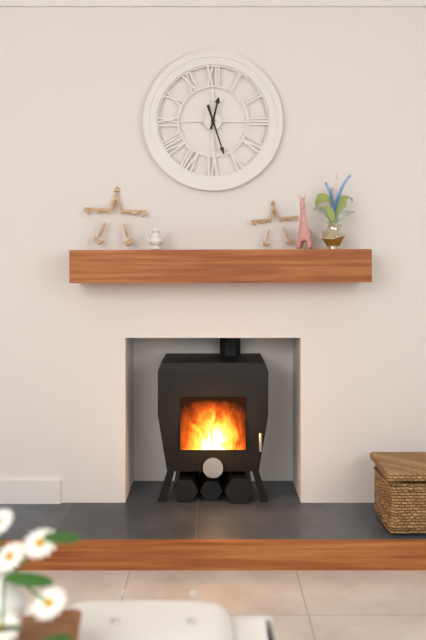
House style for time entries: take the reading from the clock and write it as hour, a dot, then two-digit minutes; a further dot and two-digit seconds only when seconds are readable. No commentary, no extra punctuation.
12.27
